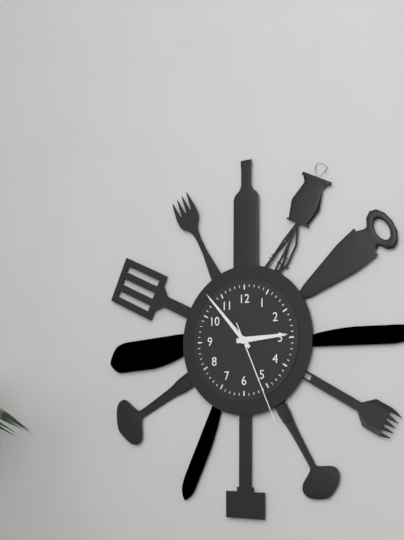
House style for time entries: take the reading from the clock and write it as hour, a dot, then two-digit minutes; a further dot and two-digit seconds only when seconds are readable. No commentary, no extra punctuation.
2.53.26
